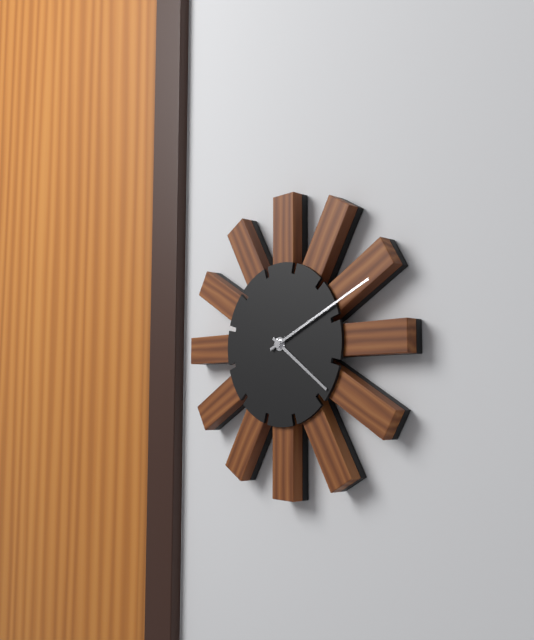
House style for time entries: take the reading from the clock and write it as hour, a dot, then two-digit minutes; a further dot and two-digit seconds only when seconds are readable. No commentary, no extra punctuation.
4.11
